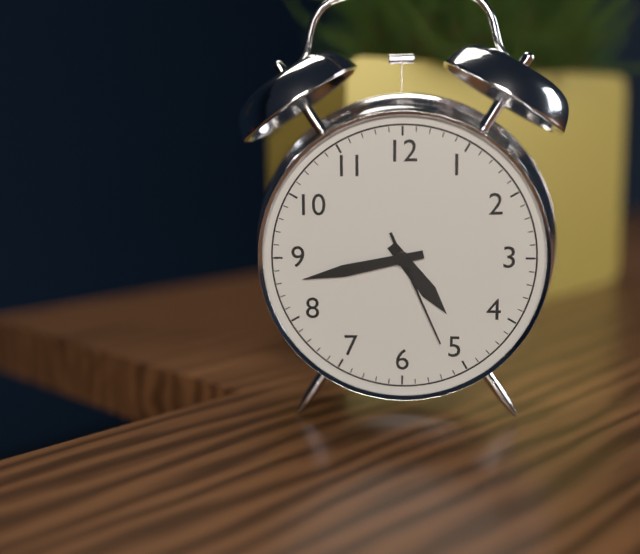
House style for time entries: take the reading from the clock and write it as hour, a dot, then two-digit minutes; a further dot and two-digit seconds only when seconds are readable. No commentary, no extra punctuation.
4.43.26
